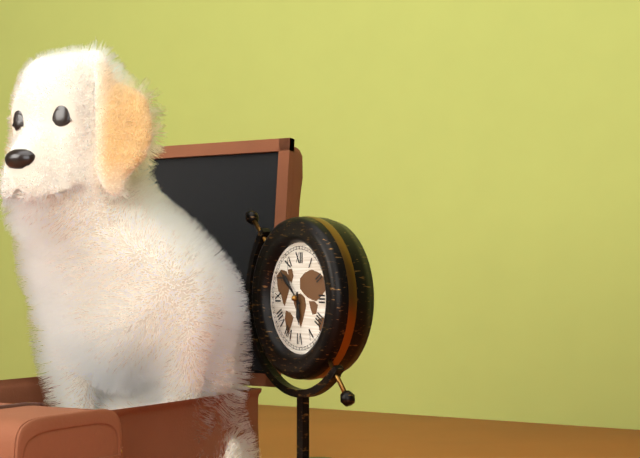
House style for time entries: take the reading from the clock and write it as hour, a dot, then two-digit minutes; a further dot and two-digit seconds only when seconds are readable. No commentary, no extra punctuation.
5.52
